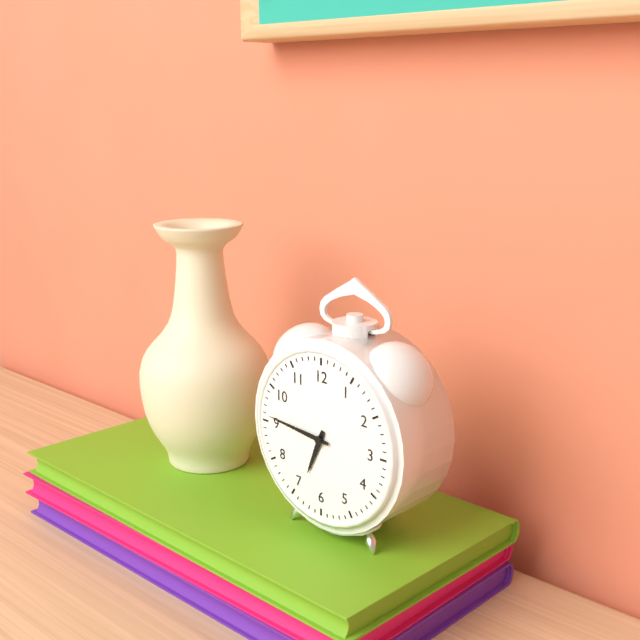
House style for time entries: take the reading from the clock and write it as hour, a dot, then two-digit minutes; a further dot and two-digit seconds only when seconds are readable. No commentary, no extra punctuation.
6.46
